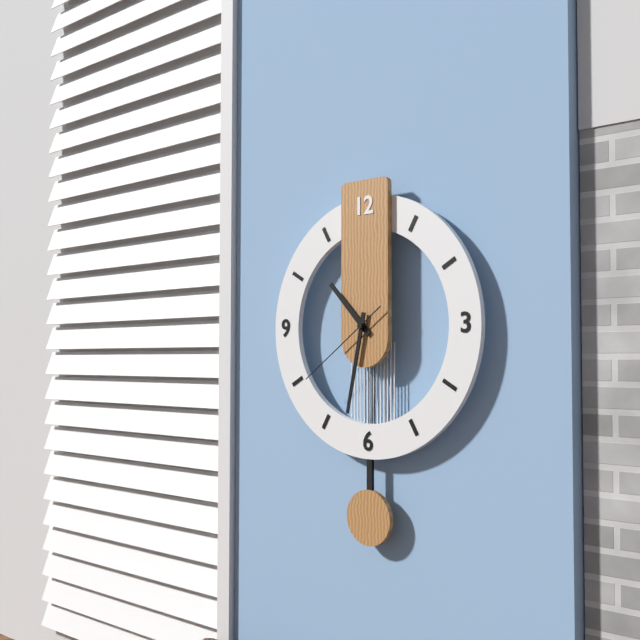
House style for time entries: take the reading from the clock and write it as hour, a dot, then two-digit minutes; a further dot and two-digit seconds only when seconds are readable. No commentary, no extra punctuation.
10.32.39
